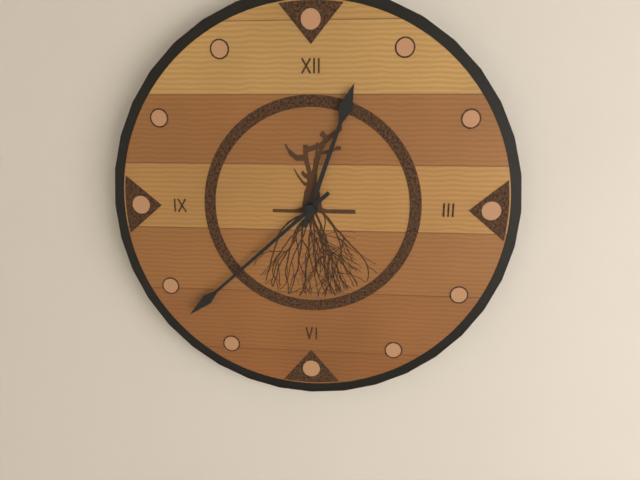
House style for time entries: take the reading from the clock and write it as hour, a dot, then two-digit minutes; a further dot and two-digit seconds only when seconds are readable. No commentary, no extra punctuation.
12.38
